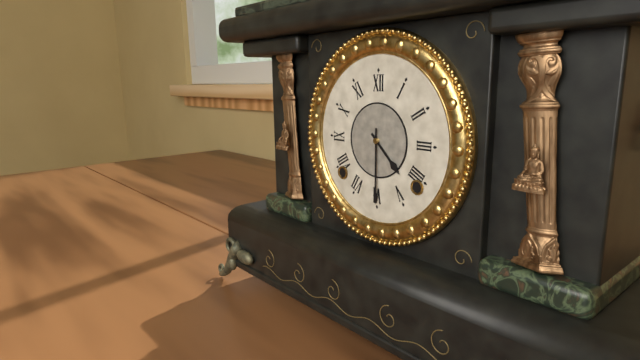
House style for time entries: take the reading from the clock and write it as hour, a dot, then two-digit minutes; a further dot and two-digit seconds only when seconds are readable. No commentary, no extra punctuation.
4.30
